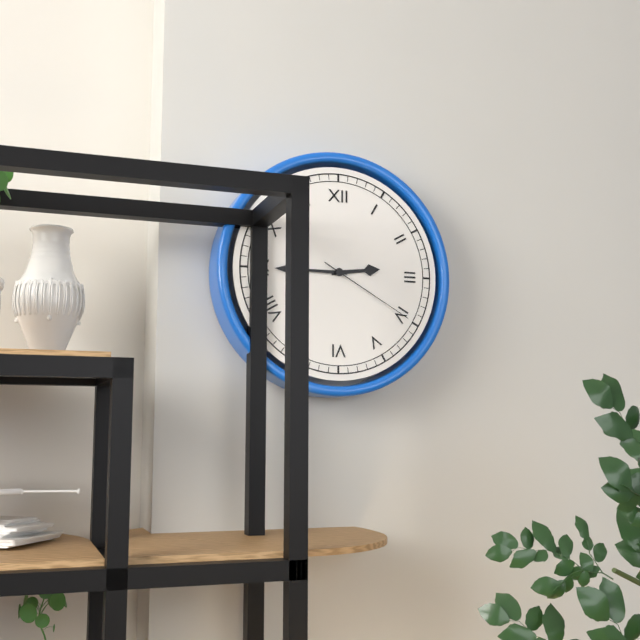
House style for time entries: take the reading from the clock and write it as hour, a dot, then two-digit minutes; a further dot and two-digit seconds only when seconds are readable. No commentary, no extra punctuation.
2.45.20
